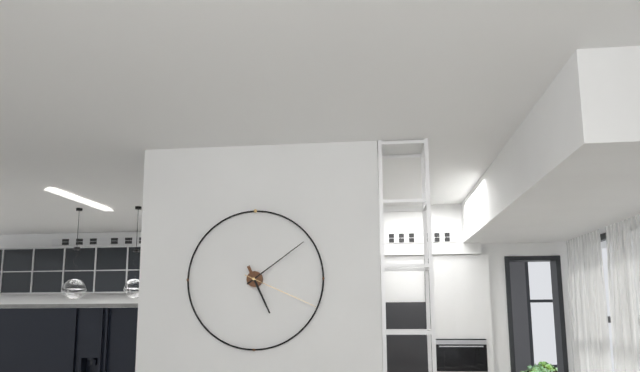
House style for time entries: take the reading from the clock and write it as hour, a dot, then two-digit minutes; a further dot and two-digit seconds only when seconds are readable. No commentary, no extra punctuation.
5.09.19
